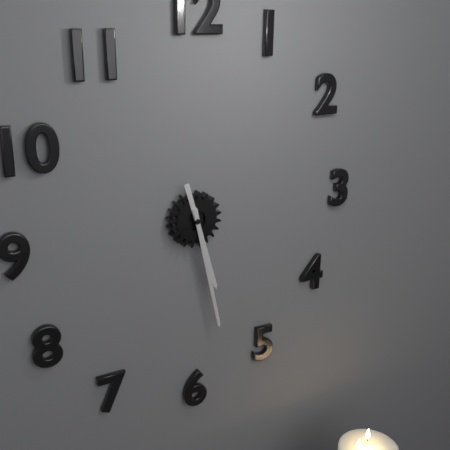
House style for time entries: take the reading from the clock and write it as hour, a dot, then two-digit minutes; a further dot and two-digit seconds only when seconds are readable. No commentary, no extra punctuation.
5.28
